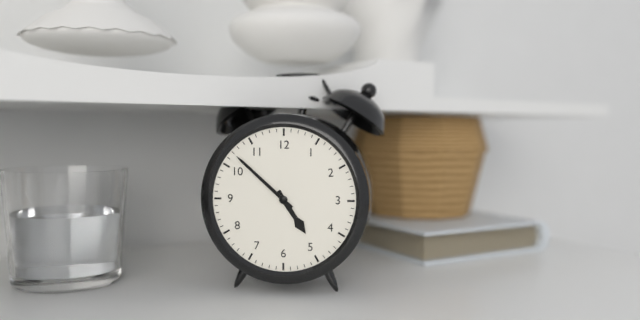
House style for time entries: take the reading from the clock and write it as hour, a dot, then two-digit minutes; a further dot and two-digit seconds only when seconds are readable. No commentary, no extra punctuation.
4.52
